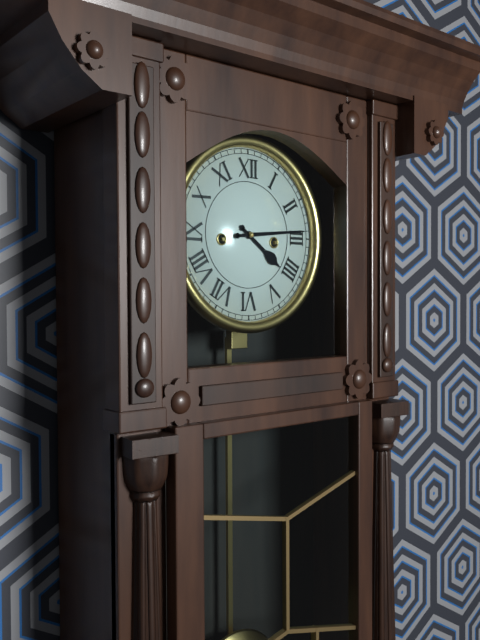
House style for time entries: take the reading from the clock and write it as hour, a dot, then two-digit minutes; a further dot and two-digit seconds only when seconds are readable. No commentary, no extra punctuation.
4.14
